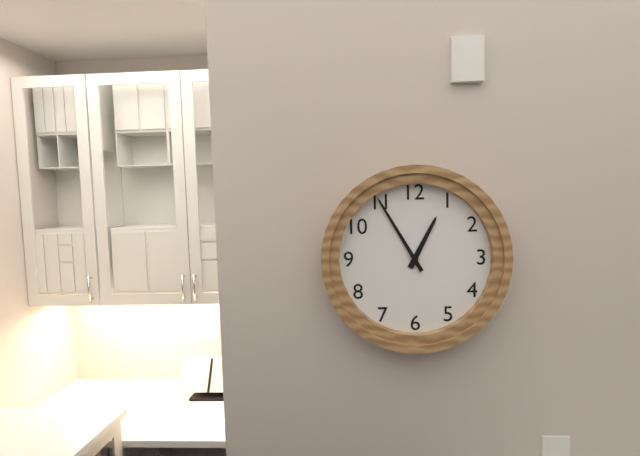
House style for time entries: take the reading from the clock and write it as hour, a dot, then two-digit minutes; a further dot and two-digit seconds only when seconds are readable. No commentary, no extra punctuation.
12.55
